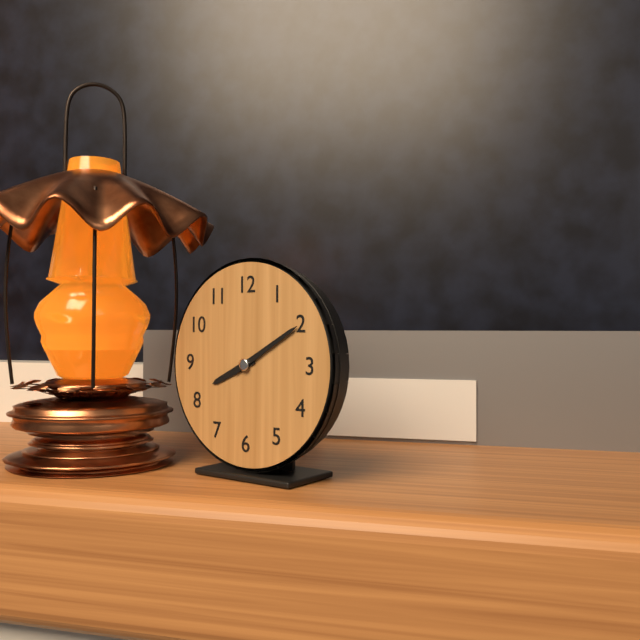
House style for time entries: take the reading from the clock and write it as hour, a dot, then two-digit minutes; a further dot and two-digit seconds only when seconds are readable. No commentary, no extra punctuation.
8.10
